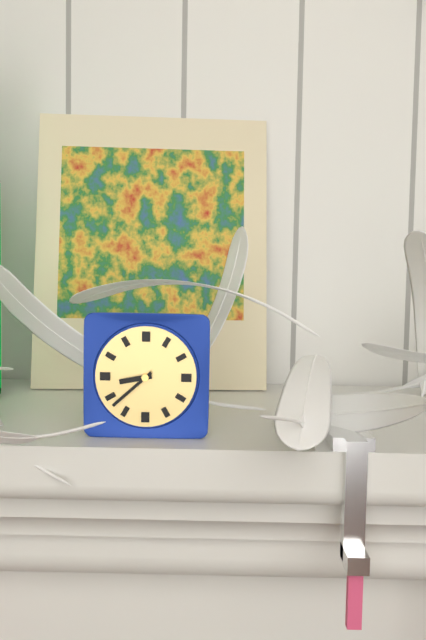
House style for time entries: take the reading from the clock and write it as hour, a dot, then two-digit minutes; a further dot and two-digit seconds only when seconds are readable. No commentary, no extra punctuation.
8.38
